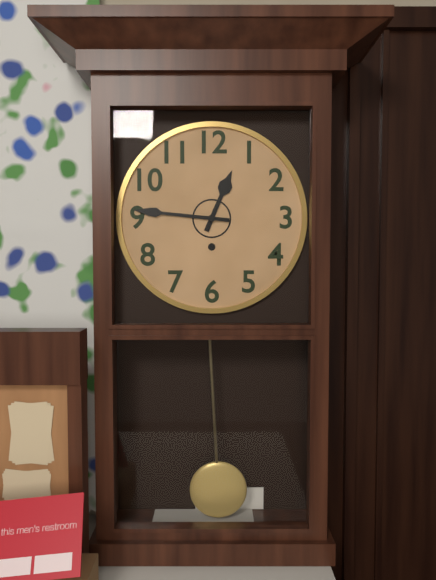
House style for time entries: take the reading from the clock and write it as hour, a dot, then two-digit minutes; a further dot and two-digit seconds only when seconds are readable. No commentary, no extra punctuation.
12.46
